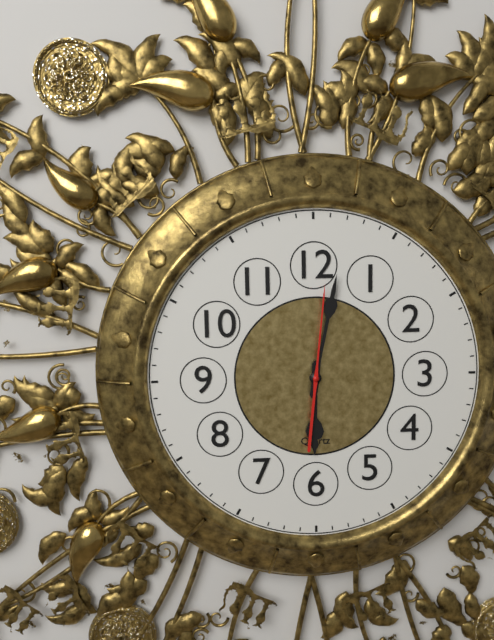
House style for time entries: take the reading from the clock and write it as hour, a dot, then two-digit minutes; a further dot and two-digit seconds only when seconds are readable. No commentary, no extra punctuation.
6.02.01
